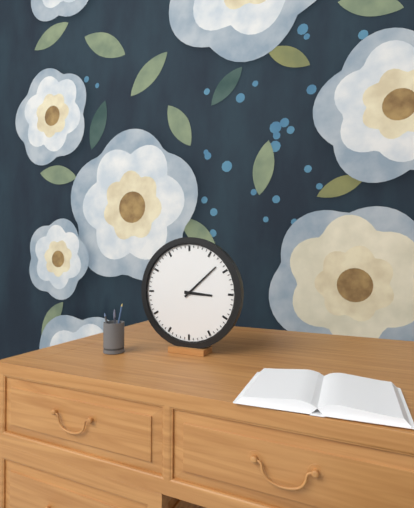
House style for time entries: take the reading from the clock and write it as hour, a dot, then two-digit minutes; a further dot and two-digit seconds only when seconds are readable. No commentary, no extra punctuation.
3.08
